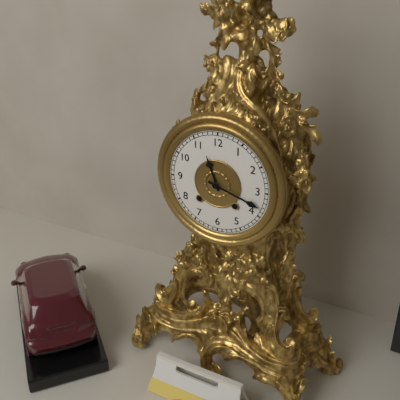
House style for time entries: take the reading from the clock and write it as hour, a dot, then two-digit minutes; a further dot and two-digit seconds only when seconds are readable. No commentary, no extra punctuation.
11.18
